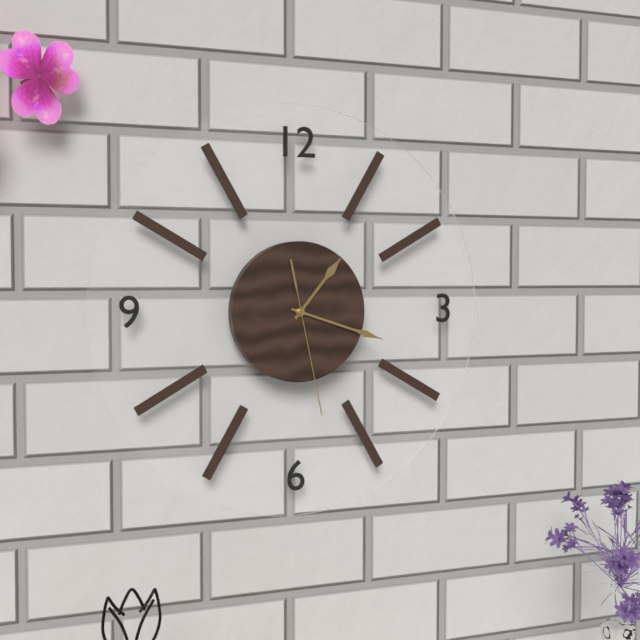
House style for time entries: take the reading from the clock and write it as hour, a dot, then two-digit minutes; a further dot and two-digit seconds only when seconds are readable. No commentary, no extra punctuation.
1.18.28
